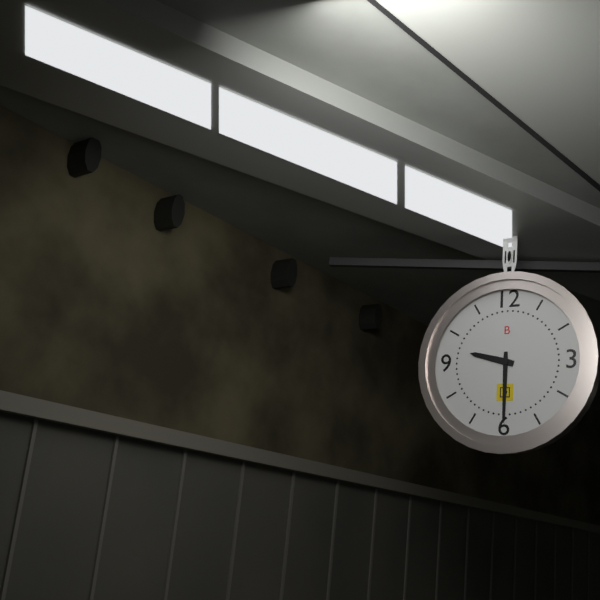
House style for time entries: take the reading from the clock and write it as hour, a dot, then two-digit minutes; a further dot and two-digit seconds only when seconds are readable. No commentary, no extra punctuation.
9.30
